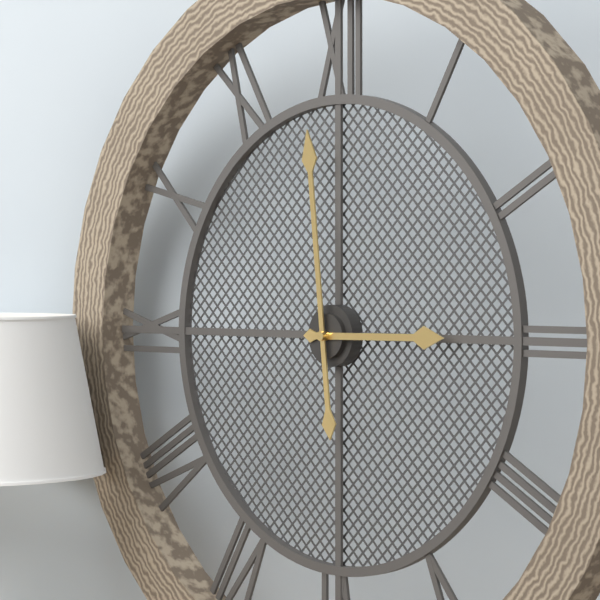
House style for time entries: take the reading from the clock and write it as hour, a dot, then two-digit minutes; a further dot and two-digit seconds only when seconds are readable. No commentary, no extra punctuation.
2.59
